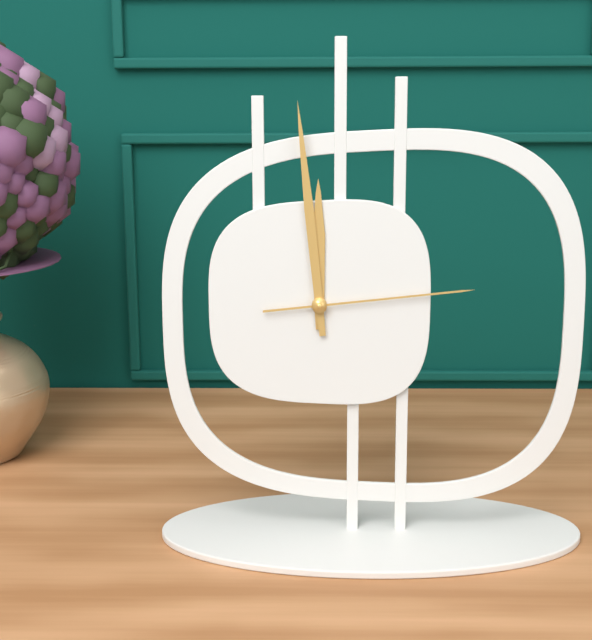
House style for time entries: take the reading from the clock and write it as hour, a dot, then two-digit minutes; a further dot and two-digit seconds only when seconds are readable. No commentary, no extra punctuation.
11.59.14
